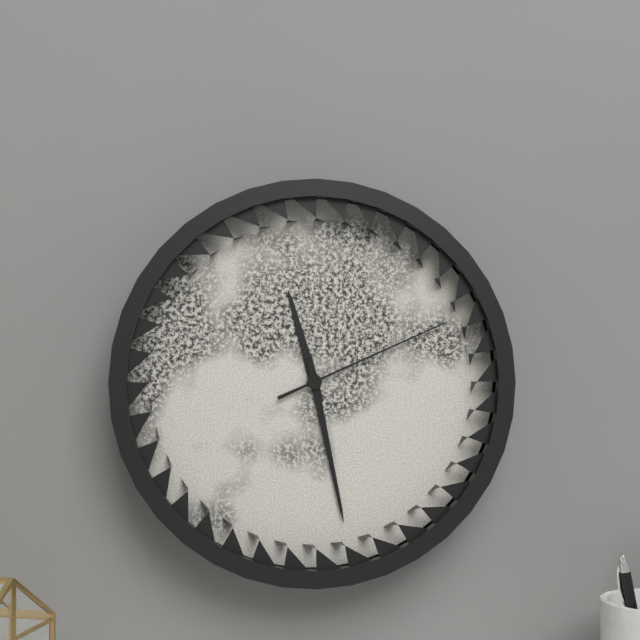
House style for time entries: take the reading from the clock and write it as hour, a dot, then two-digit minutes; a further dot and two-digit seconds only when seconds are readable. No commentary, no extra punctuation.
11.28.11
